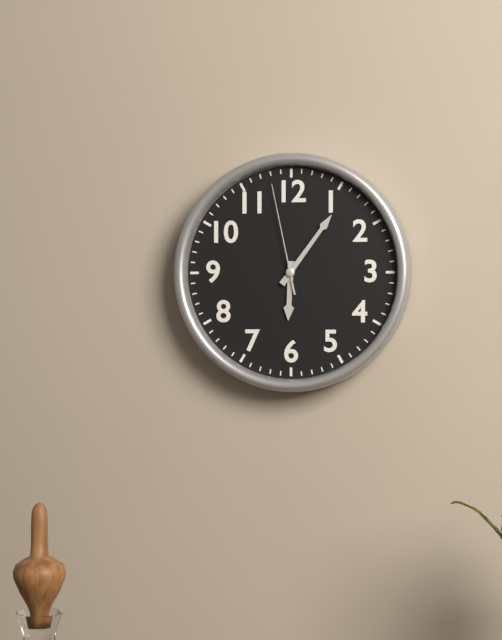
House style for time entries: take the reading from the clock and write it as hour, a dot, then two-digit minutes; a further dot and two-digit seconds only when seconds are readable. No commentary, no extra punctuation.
6.06.58
